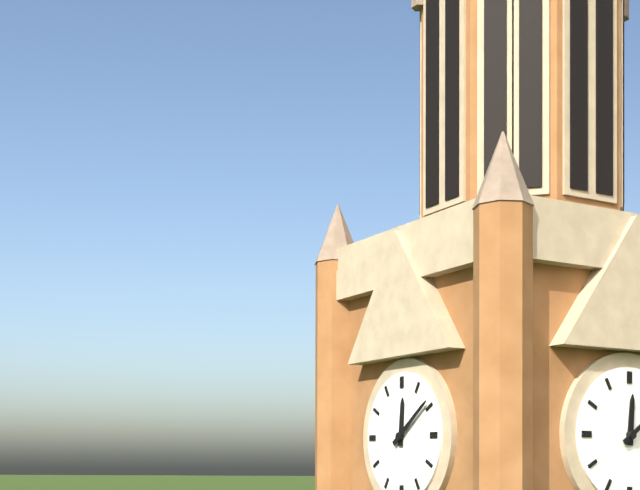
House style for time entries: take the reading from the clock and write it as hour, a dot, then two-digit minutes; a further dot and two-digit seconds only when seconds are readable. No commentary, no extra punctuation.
12.09
